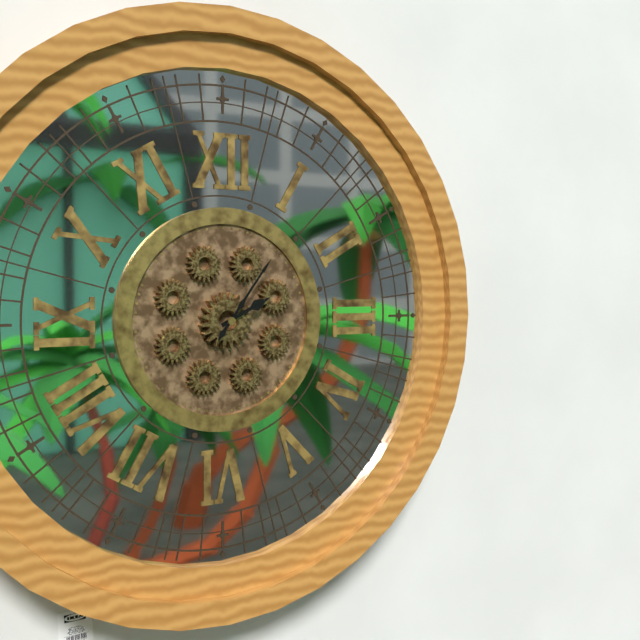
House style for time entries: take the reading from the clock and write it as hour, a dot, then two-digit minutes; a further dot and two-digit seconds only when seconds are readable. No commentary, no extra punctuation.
2.06
